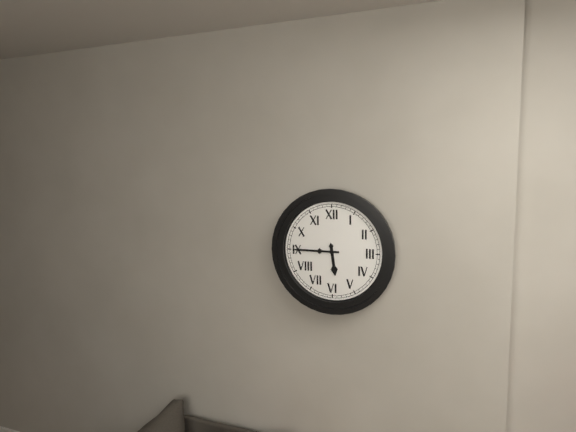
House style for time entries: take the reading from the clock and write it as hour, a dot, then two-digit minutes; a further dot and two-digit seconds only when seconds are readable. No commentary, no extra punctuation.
5.45
